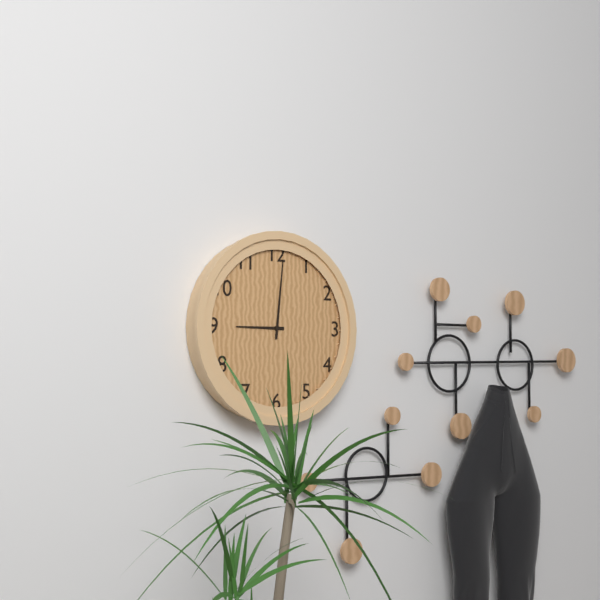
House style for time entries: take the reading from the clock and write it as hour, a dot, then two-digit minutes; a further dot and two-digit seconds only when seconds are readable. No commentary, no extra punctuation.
9.01
